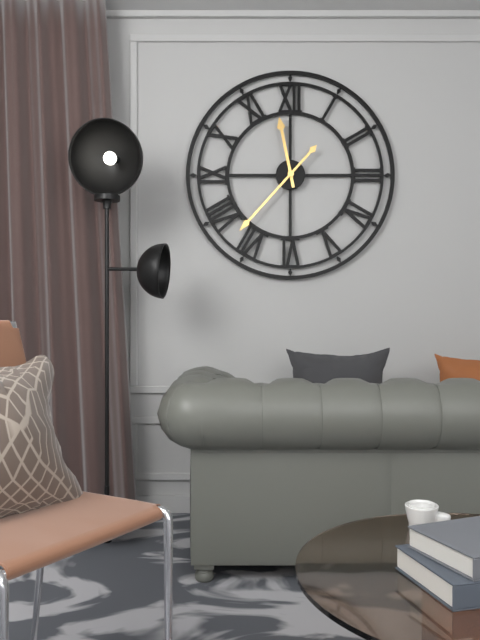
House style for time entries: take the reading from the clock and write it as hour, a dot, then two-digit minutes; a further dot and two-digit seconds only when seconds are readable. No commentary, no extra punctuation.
11.37
